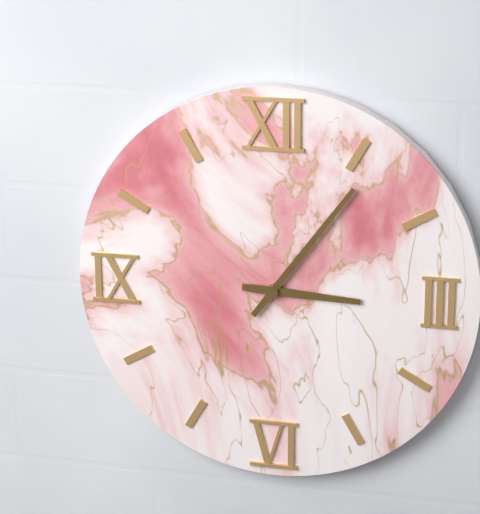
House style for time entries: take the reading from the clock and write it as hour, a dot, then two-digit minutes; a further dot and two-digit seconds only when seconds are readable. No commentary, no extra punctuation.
3.06
